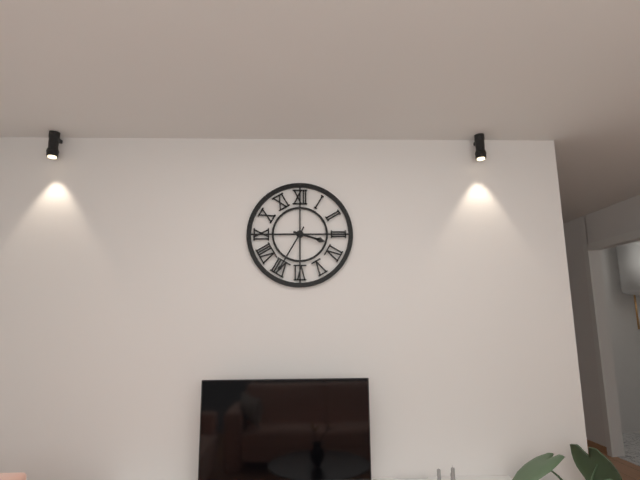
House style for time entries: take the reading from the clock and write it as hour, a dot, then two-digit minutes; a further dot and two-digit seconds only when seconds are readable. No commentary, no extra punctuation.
3.35
